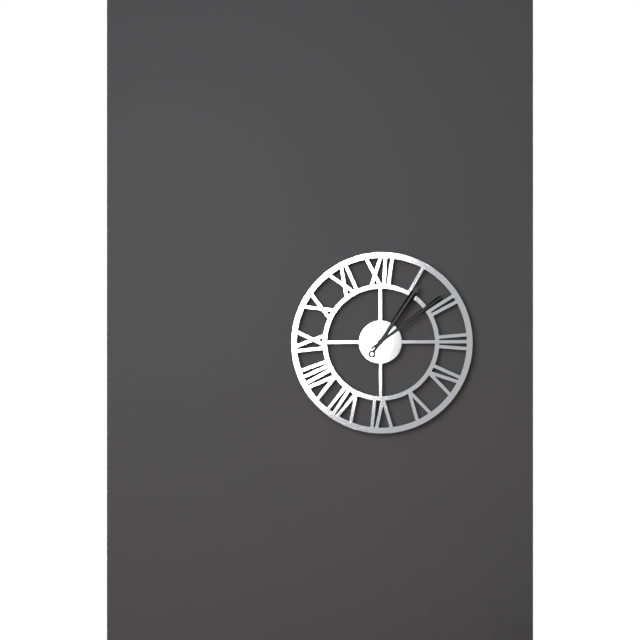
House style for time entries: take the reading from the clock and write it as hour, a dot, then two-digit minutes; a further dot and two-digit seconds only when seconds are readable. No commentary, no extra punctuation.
1.09
